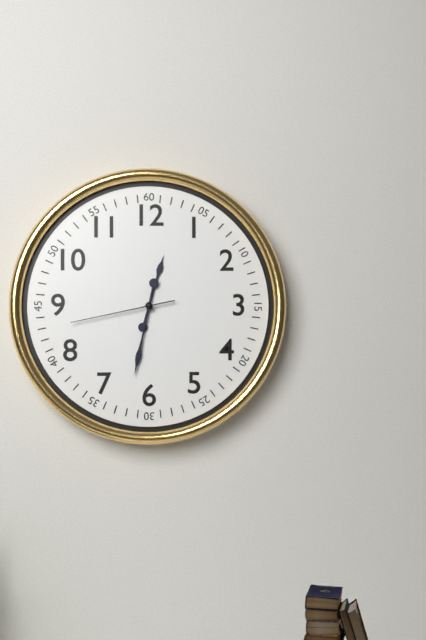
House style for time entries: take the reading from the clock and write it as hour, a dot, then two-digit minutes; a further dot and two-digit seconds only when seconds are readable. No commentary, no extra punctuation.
12.32.43
